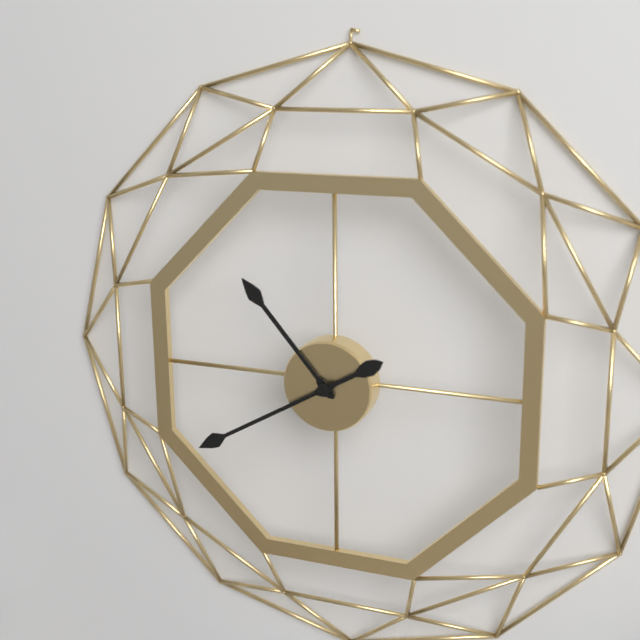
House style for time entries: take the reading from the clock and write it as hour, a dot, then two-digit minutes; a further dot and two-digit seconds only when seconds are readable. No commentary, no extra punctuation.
10.40
